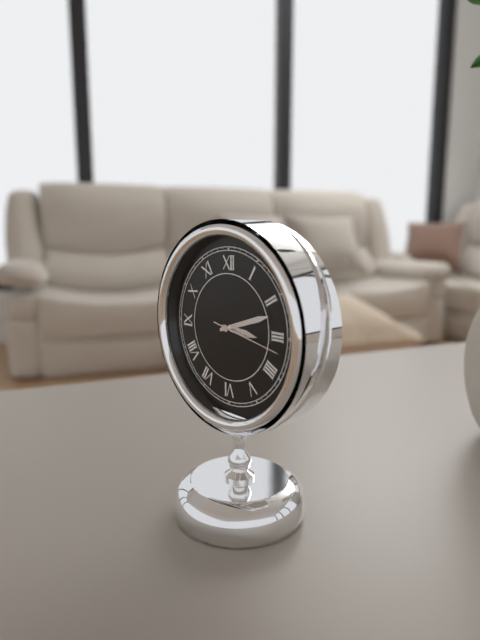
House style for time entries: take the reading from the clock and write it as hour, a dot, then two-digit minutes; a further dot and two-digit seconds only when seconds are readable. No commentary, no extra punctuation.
3.12.17
